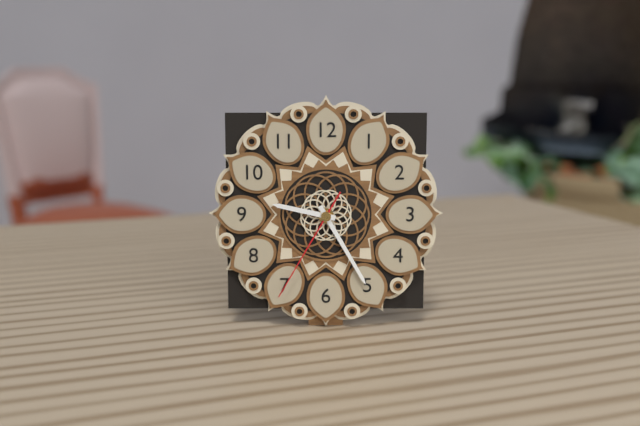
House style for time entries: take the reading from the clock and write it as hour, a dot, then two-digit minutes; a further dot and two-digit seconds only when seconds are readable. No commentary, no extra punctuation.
9.25.35
